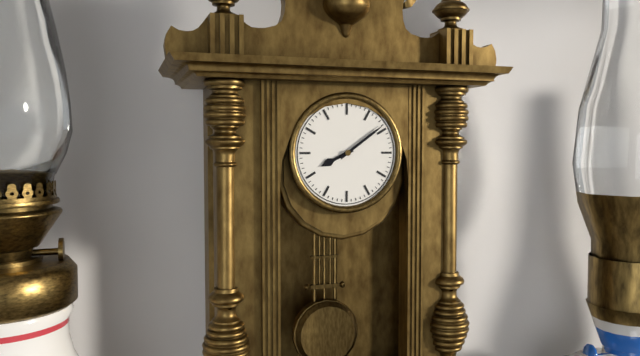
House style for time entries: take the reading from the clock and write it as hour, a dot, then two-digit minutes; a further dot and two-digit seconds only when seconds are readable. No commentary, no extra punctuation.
8.09
